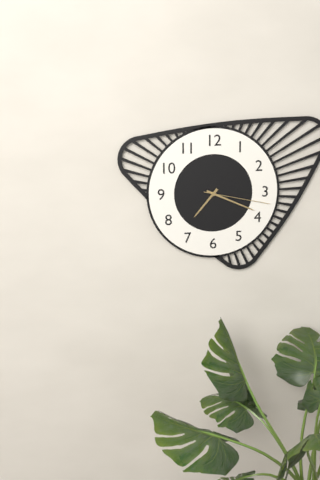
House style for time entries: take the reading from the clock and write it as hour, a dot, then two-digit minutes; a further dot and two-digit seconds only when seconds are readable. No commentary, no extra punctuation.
7.19.17
